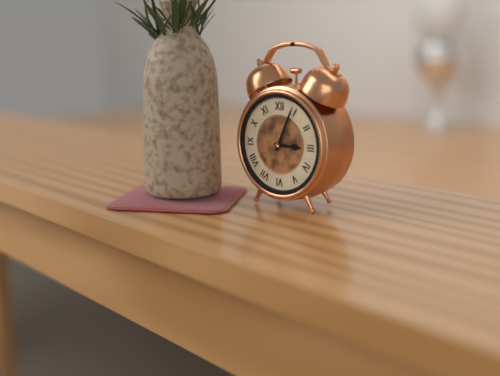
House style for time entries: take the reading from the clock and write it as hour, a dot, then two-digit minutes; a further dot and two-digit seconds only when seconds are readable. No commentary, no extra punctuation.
3.04
